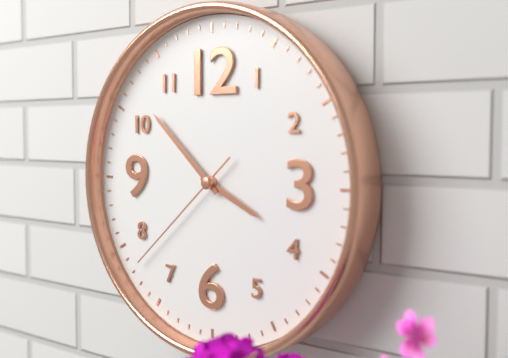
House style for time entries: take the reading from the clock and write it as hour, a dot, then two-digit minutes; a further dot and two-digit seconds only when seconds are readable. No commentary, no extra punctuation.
3.52.38
